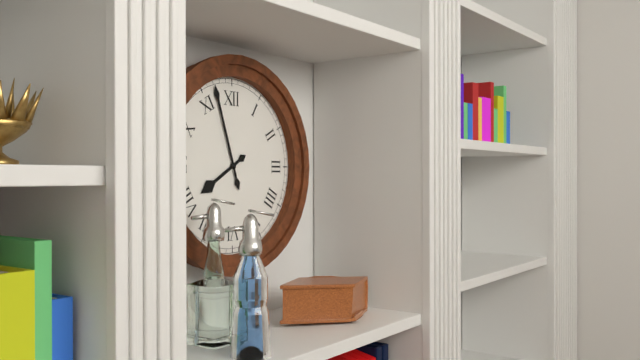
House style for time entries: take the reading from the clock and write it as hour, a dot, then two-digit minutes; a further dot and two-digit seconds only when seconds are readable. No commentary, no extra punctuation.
7.57
